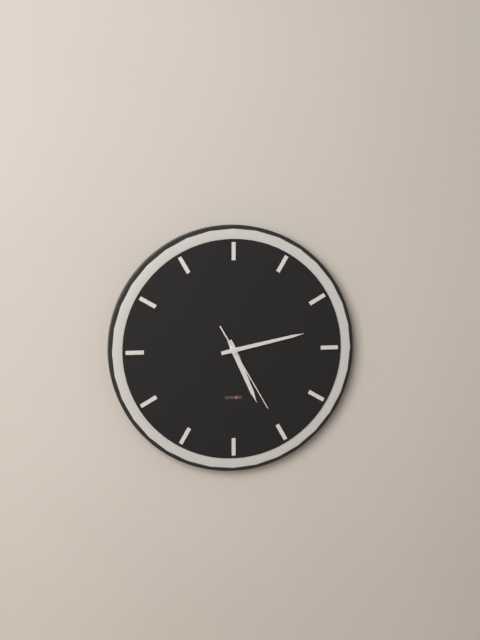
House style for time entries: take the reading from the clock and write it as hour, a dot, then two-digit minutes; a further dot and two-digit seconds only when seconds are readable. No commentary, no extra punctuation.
5.13.25
